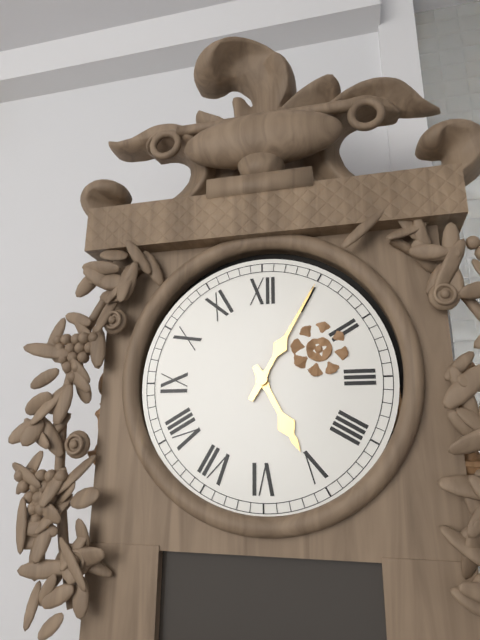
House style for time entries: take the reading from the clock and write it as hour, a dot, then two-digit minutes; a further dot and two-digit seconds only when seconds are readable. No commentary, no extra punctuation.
5.05
